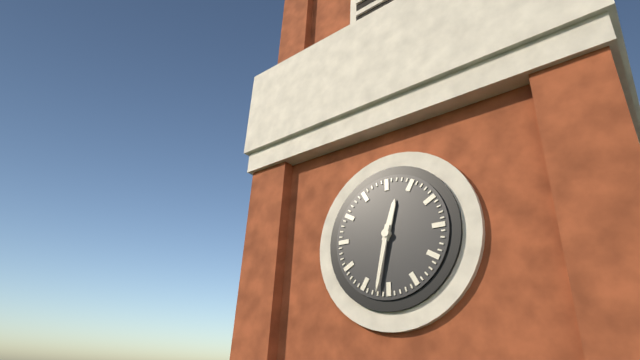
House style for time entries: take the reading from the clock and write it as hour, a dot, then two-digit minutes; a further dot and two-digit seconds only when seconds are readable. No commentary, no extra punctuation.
12.32
